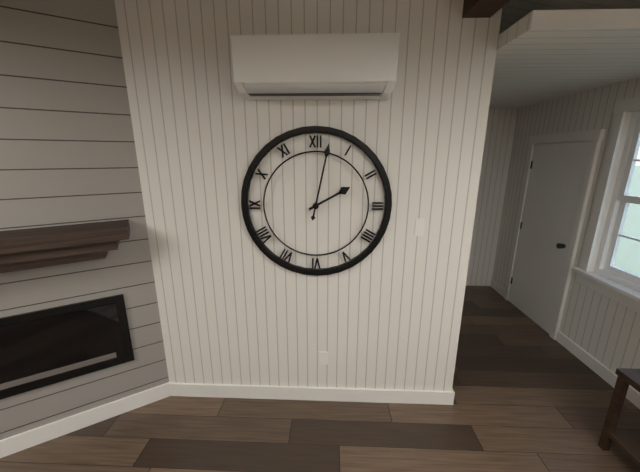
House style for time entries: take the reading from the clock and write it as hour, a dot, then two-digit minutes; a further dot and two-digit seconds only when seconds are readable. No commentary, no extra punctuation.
2.02
